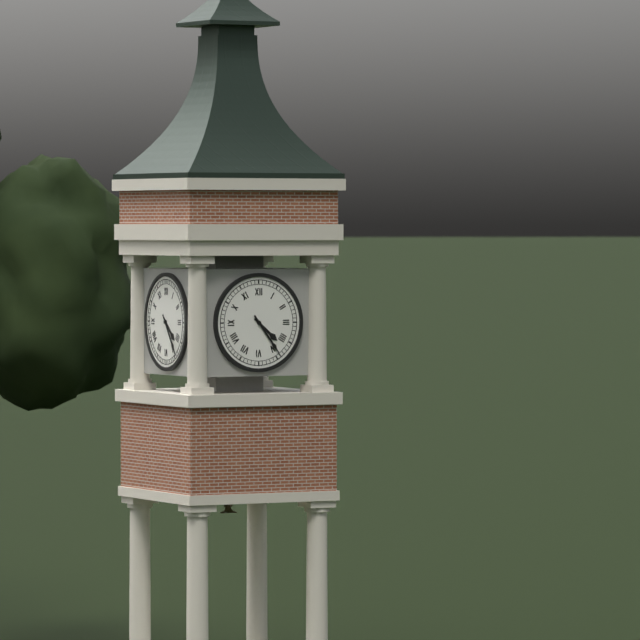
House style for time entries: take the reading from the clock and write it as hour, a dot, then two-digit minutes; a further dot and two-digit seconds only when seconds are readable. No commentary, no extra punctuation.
4.24
